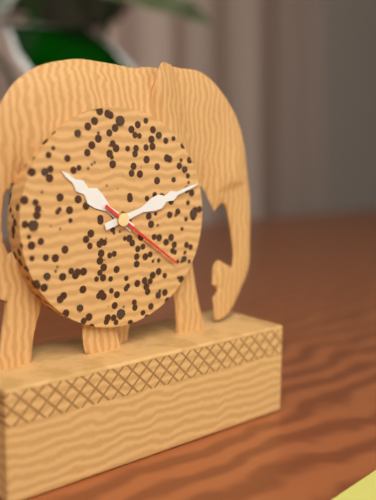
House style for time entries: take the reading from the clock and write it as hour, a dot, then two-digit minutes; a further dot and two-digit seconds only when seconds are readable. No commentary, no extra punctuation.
10.12.21
